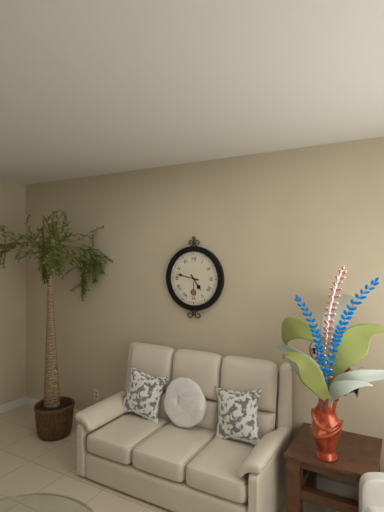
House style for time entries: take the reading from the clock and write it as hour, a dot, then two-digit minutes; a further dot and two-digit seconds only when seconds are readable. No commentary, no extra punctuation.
4.47
